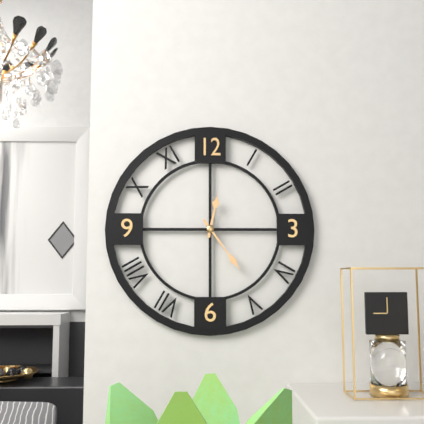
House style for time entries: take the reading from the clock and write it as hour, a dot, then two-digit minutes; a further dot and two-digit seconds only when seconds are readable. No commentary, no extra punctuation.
12.24
